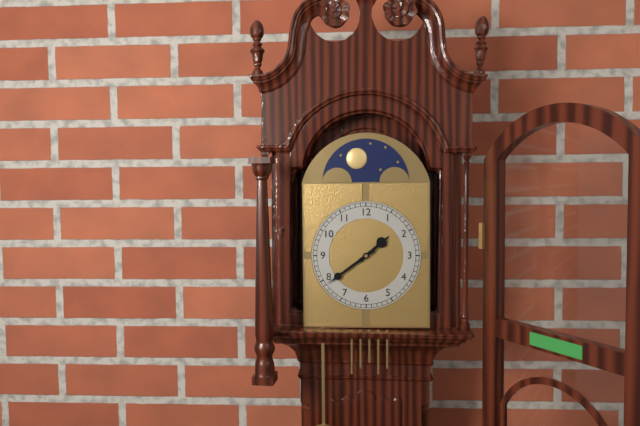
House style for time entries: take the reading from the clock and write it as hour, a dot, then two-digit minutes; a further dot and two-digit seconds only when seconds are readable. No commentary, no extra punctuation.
1.39
